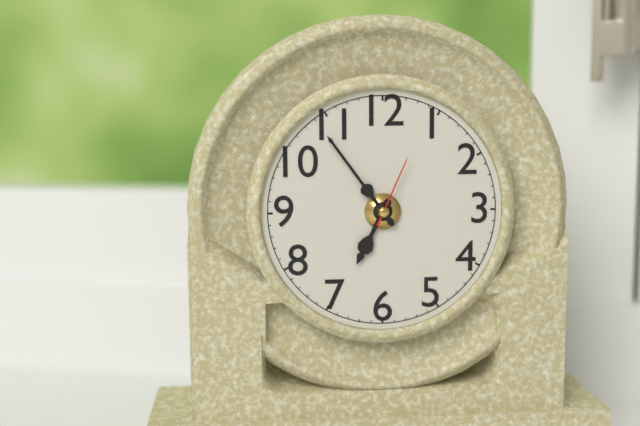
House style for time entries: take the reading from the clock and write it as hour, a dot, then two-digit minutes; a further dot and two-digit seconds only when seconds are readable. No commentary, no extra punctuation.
6.54.04
